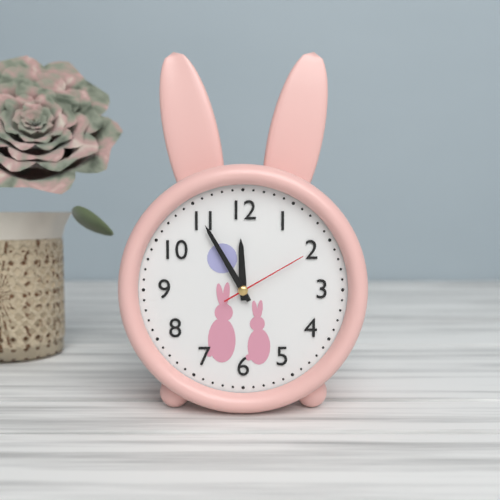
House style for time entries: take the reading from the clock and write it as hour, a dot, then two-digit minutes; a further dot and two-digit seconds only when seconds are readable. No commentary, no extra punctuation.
11.55.10
